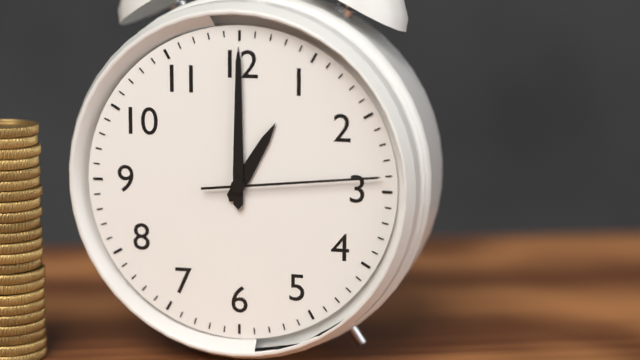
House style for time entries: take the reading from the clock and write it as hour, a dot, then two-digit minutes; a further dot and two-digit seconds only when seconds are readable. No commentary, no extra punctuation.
1.00.14
